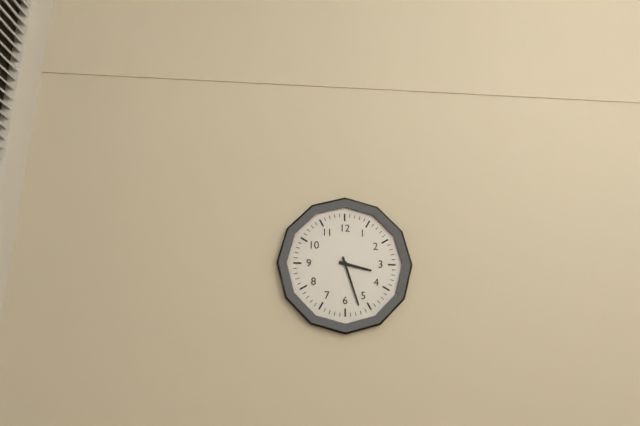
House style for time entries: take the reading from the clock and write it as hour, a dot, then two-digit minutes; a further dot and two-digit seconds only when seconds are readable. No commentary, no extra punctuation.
3.27
